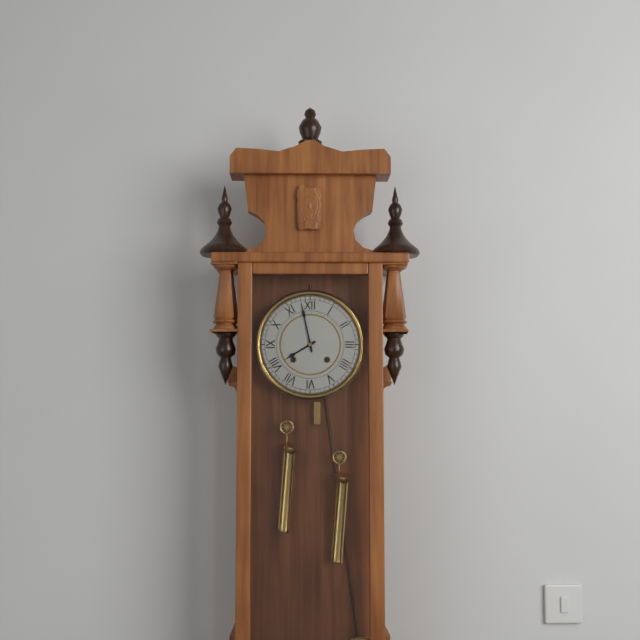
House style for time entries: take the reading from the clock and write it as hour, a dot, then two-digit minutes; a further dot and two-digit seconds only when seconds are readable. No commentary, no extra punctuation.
7.58
